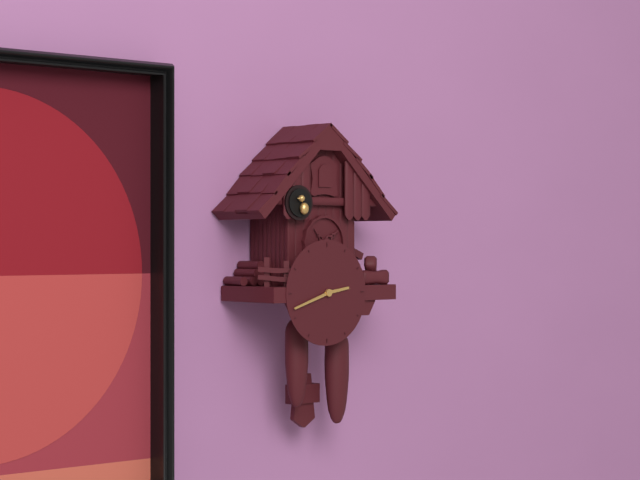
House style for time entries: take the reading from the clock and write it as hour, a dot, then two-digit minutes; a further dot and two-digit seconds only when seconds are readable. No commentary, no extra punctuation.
2.42
